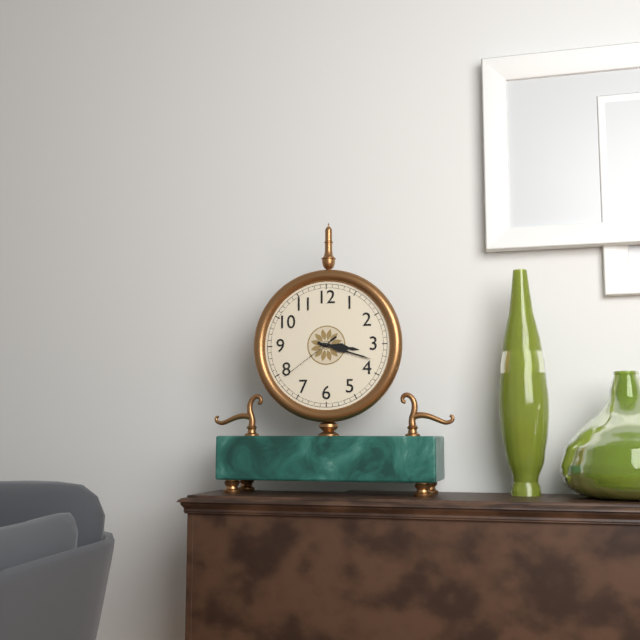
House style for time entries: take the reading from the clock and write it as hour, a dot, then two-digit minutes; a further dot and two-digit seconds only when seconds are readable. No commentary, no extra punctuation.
3.18.39
